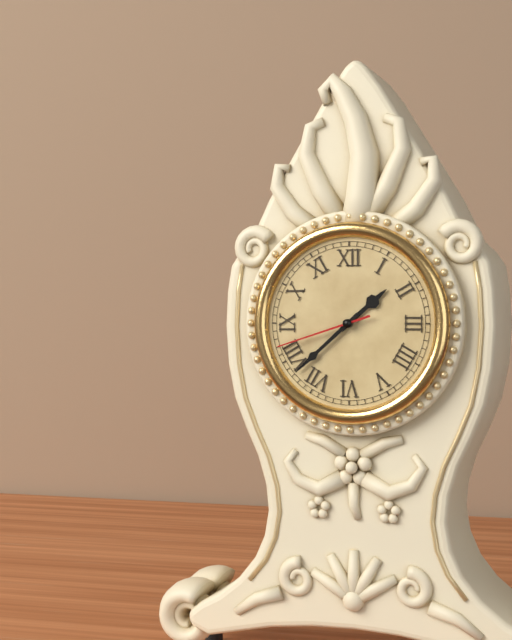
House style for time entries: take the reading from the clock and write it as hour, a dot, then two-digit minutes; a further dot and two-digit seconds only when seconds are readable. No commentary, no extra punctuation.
1.38.42
